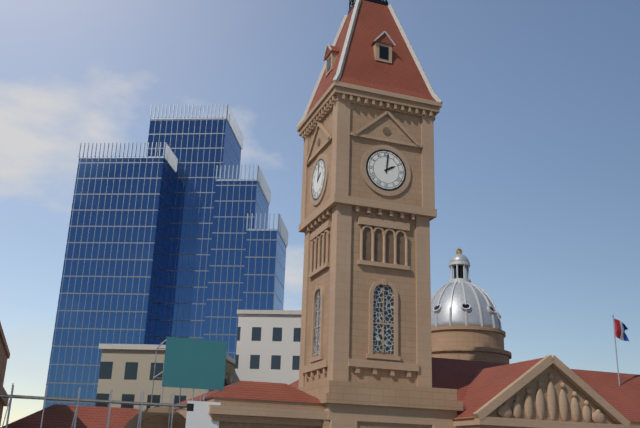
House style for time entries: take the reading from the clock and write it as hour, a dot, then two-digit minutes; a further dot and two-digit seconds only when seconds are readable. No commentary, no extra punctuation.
2.01
